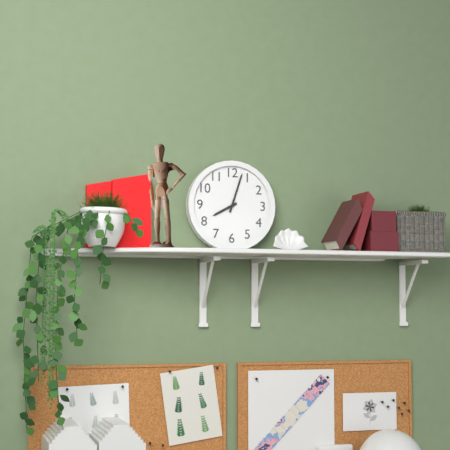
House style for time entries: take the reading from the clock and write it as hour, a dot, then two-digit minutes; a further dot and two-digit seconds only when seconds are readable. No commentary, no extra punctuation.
8.03
